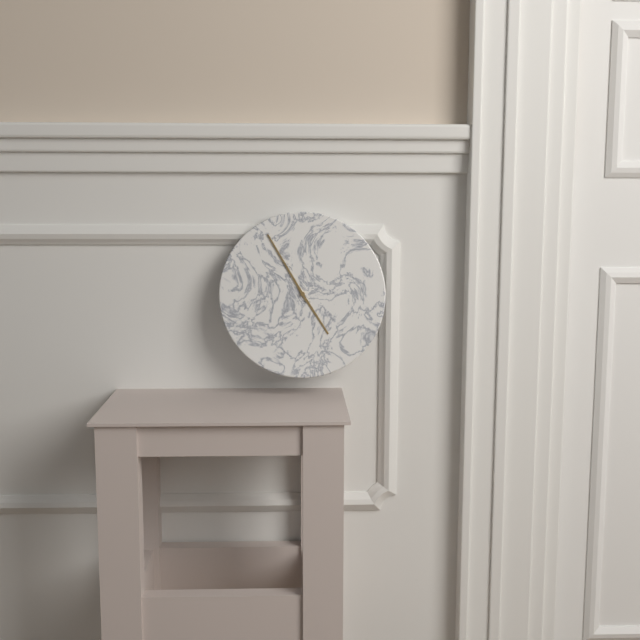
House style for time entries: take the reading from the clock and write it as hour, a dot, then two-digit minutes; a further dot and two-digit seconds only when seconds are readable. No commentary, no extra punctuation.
4.55
